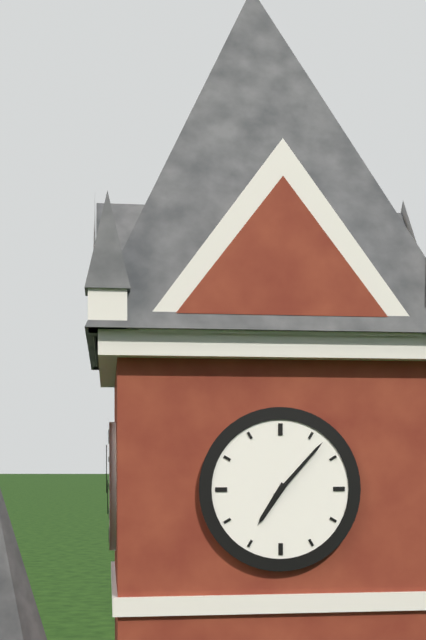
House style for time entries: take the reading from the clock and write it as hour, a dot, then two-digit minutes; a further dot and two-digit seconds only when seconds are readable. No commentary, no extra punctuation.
7.07
